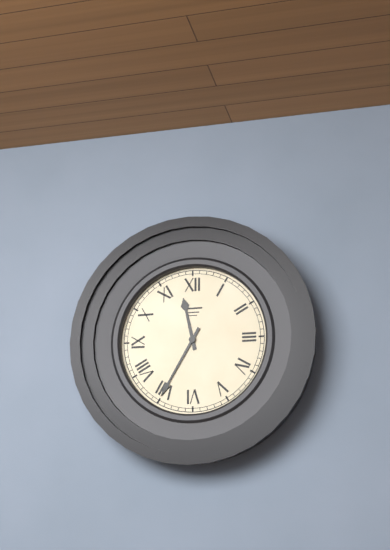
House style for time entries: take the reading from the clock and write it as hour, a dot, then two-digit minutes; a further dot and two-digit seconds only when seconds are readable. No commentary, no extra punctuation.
11.35
